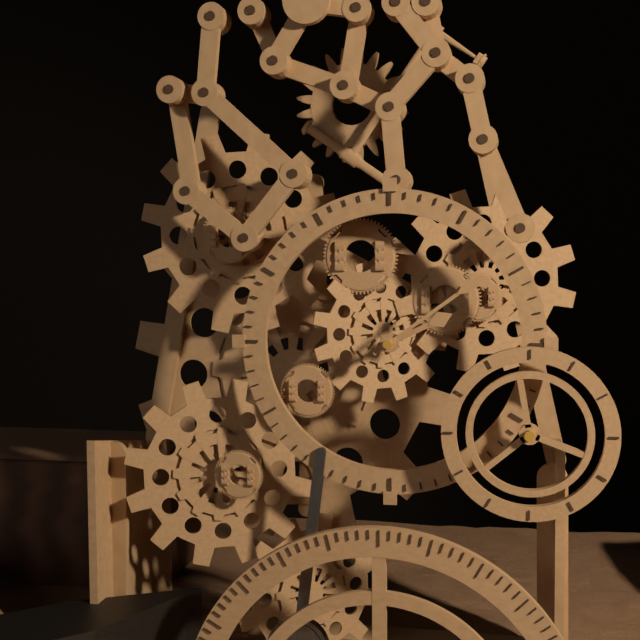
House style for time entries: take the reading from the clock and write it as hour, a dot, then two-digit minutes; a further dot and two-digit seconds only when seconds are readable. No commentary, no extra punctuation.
2.09
